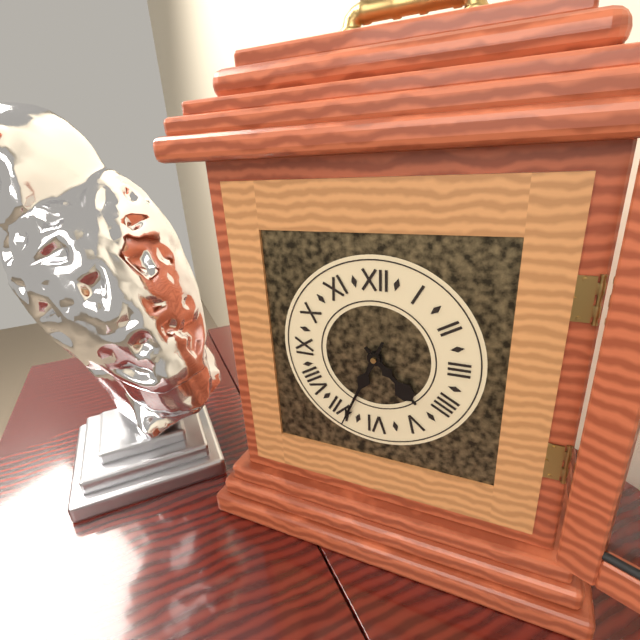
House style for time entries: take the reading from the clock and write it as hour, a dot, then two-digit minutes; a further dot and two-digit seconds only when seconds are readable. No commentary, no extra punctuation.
4.34
